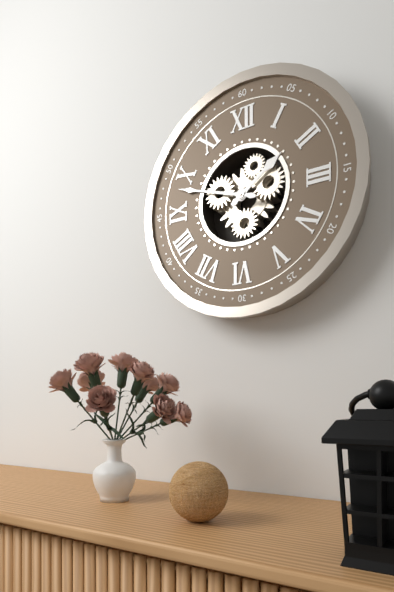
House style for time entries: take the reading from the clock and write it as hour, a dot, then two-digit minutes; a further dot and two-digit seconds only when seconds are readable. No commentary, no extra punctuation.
1.48
